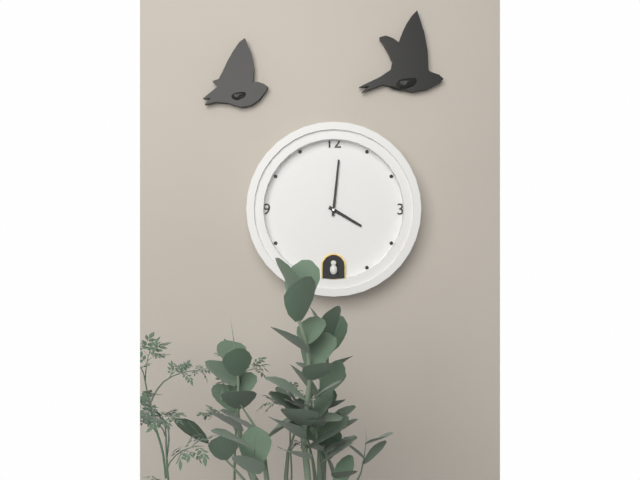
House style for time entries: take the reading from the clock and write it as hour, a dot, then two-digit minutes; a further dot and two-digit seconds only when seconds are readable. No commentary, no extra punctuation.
4.01
